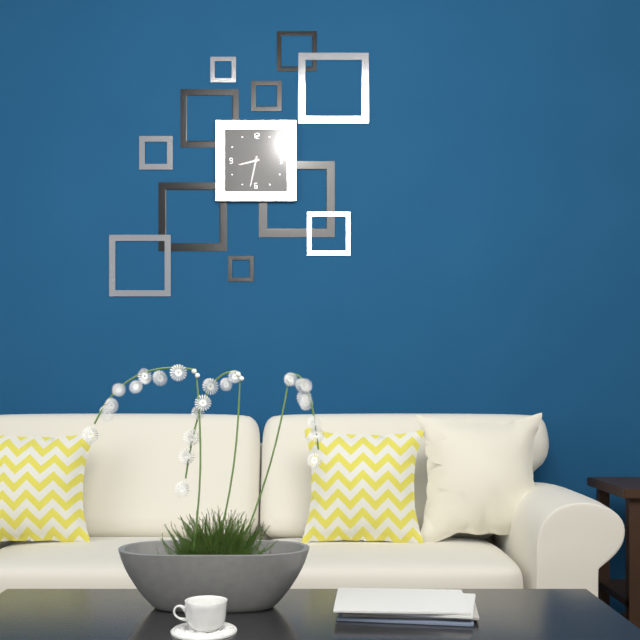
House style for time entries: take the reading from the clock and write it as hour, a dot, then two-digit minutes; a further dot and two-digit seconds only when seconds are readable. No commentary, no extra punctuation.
8.32
